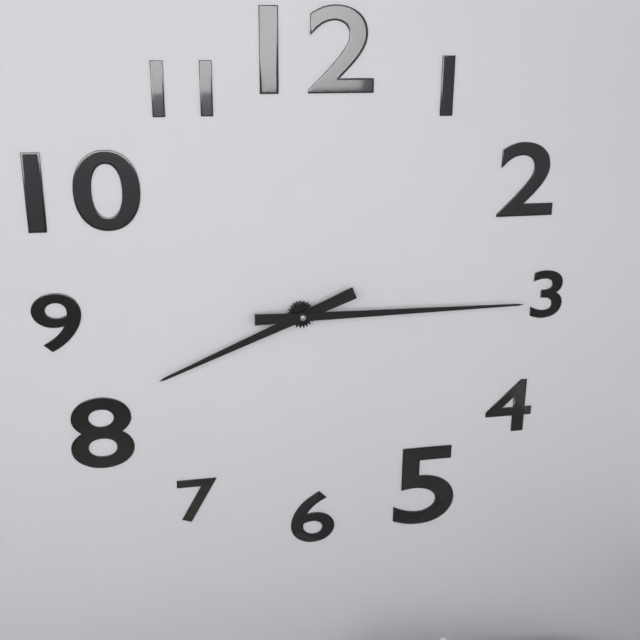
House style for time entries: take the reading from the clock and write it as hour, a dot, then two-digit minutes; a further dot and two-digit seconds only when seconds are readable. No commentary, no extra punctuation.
8.15
